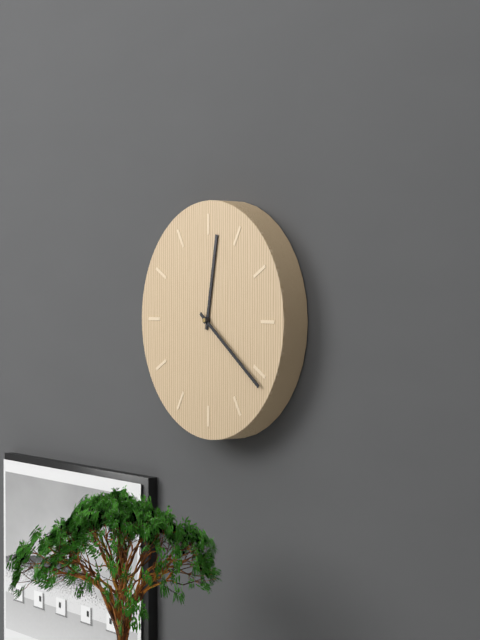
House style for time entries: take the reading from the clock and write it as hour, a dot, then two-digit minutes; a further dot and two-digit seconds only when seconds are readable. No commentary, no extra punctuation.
12.21
